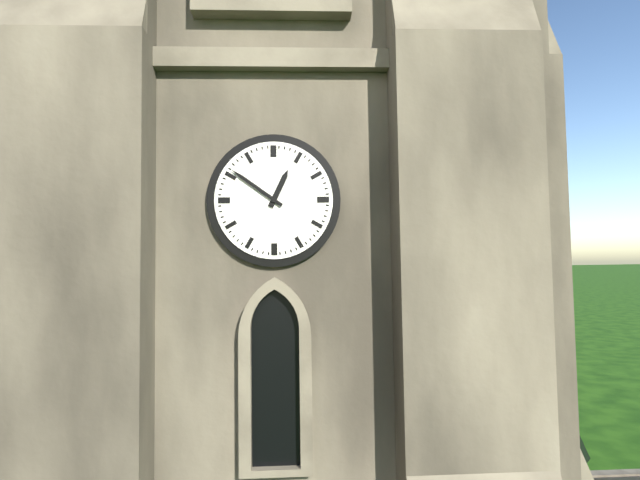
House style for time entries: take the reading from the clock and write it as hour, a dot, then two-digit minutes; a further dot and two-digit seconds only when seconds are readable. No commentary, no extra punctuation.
12.51
